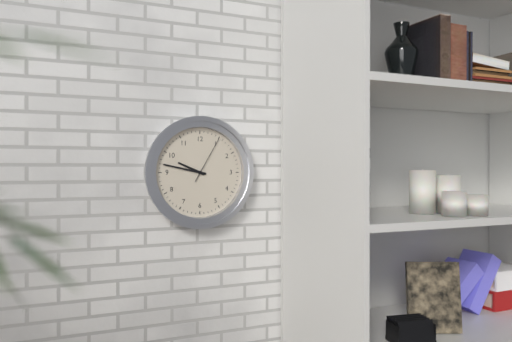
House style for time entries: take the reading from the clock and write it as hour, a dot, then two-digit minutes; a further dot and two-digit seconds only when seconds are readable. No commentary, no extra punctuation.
9.47
